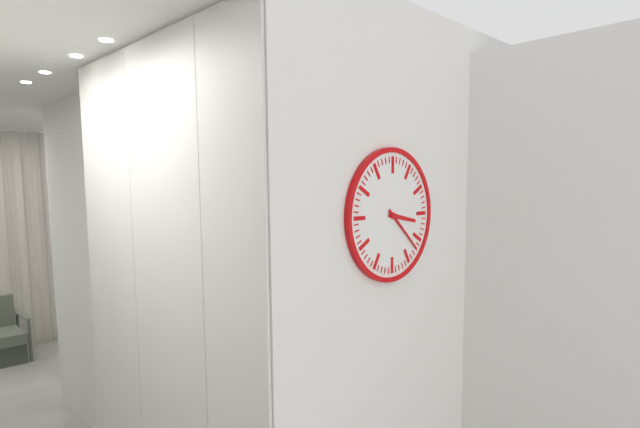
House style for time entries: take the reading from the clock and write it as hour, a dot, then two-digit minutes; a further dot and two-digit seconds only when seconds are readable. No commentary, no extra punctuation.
3.22
